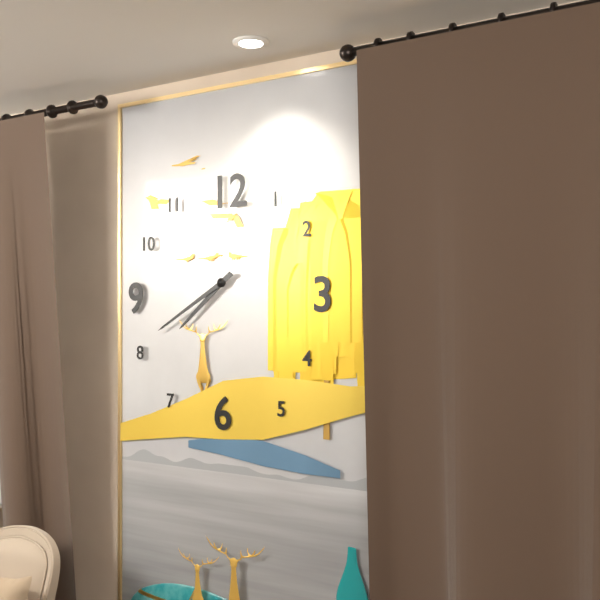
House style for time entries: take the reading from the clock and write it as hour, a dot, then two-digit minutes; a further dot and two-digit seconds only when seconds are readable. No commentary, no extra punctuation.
7.40
